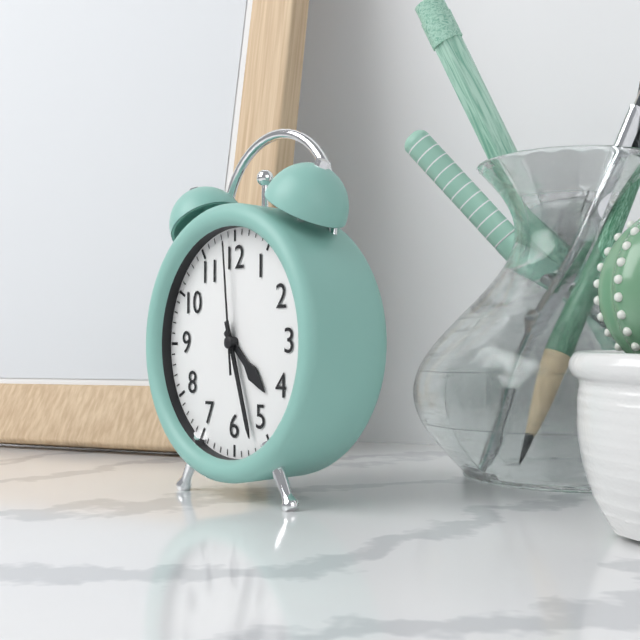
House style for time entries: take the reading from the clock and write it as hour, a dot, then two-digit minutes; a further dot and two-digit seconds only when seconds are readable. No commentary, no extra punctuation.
4.27.59
